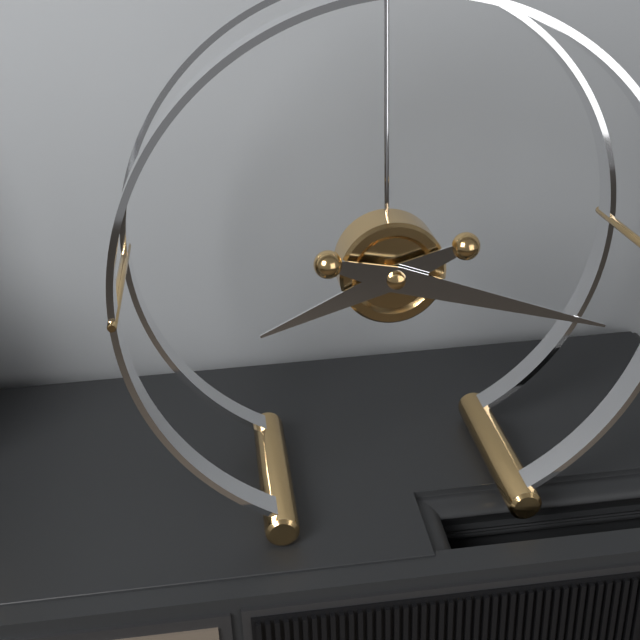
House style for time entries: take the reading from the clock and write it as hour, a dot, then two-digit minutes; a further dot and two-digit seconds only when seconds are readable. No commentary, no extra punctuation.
8.18
